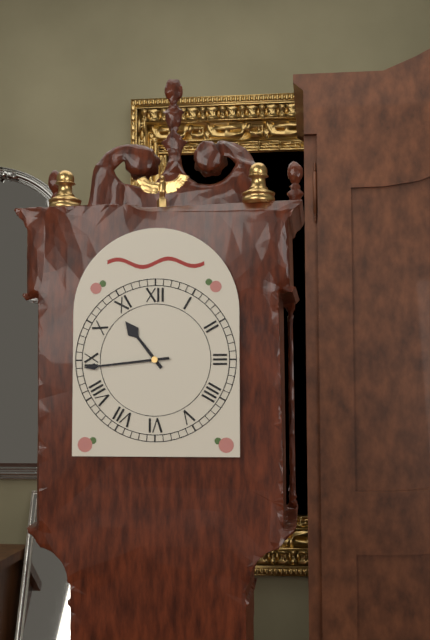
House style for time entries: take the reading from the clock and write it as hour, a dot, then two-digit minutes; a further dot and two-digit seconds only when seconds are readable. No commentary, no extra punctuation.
10.44
